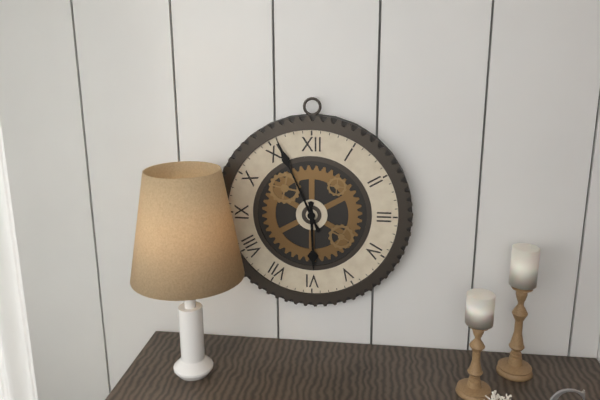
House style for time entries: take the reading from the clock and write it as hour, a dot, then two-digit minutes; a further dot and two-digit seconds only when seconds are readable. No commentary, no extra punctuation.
5.56
